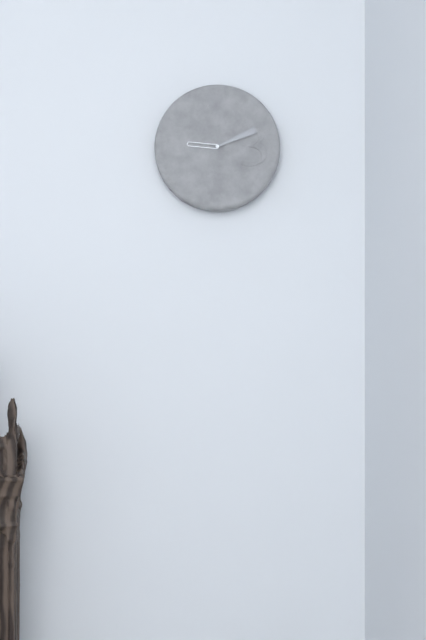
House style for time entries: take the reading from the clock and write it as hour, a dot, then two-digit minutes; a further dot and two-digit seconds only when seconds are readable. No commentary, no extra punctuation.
9.11
